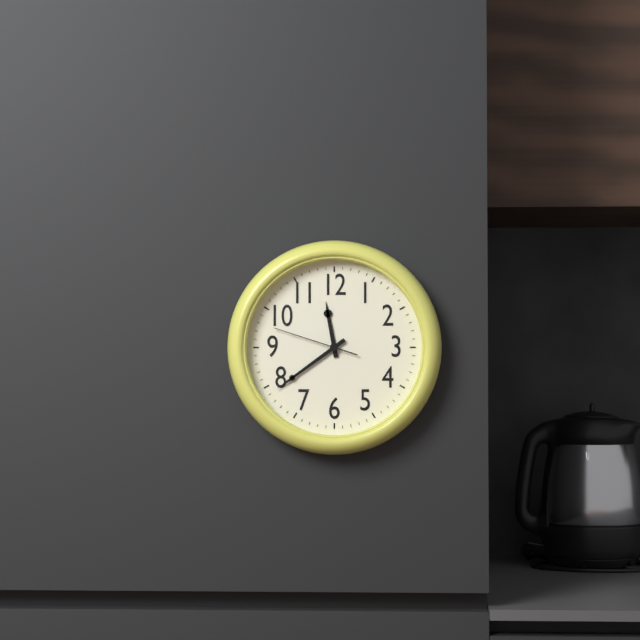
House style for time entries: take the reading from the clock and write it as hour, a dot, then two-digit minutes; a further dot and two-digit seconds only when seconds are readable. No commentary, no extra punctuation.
11.39.48
